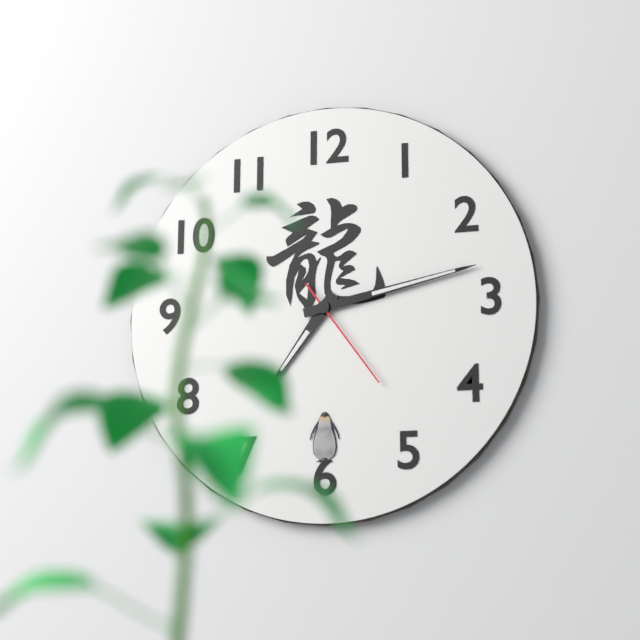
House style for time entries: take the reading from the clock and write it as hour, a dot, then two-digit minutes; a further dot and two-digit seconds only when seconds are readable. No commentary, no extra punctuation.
7.13.24
